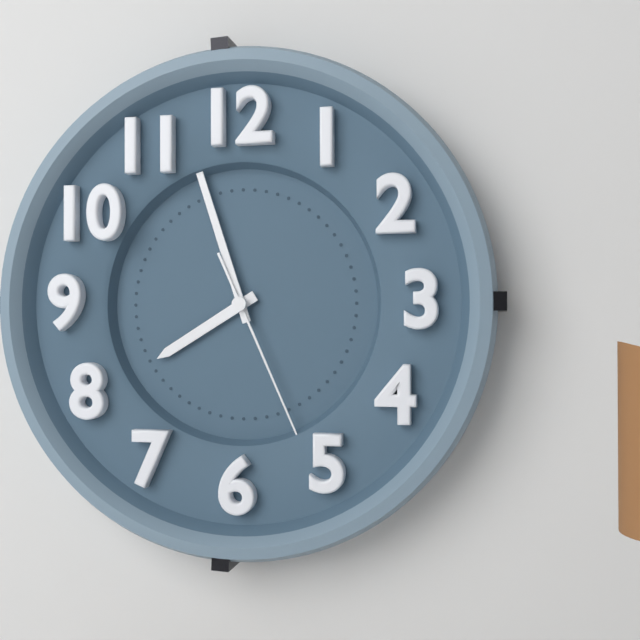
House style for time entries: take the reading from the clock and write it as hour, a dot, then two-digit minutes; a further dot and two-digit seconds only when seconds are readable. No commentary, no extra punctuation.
7.57.26
